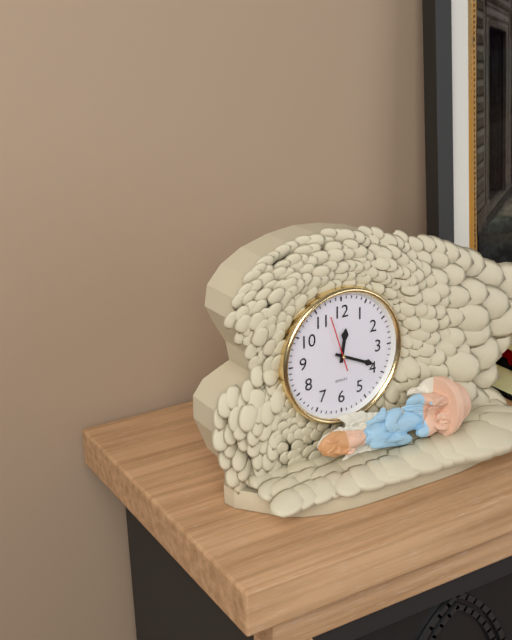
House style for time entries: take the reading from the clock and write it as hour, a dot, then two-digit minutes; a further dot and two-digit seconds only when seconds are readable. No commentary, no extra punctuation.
12.19
